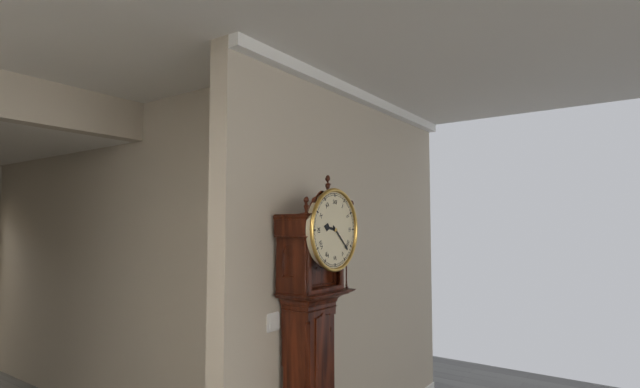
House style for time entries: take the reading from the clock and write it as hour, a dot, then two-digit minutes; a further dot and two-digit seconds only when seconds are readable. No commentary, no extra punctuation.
9.22
